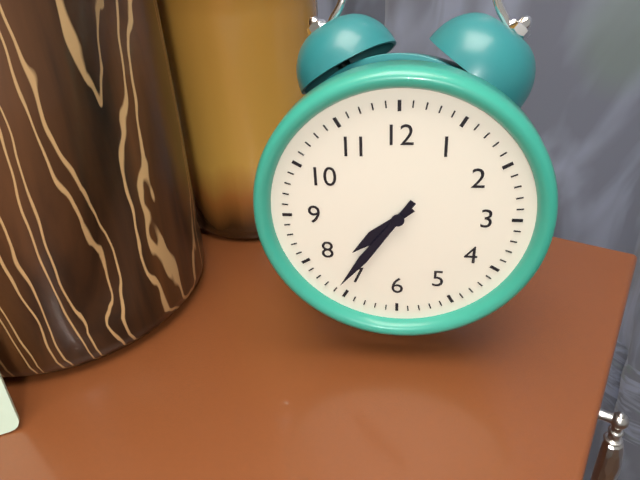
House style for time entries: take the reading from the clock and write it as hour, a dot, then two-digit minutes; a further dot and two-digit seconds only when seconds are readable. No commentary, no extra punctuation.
7.36
